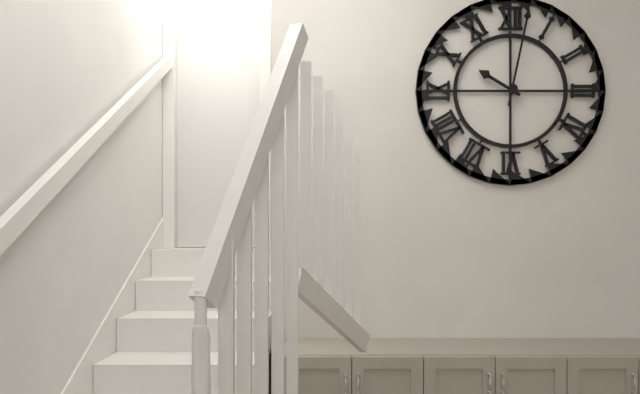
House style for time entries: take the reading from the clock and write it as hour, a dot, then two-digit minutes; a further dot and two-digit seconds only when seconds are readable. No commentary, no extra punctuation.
10.02
